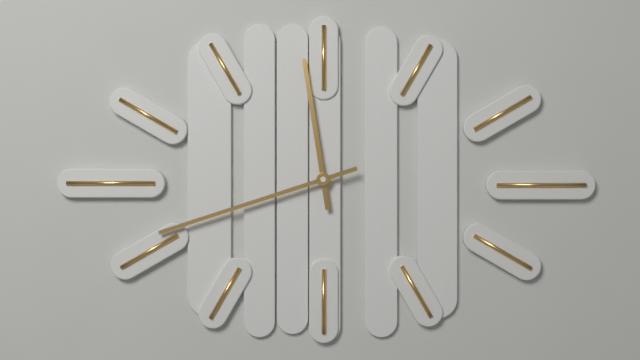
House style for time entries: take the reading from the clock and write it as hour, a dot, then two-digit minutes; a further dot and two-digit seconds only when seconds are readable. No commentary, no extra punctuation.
11.42
